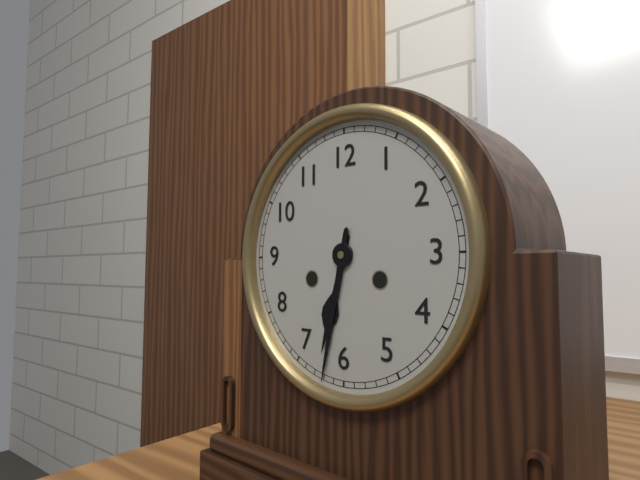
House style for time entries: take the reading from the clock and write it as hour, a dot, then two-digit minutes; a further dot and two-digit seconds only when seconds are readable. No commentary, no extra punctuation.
6.32
